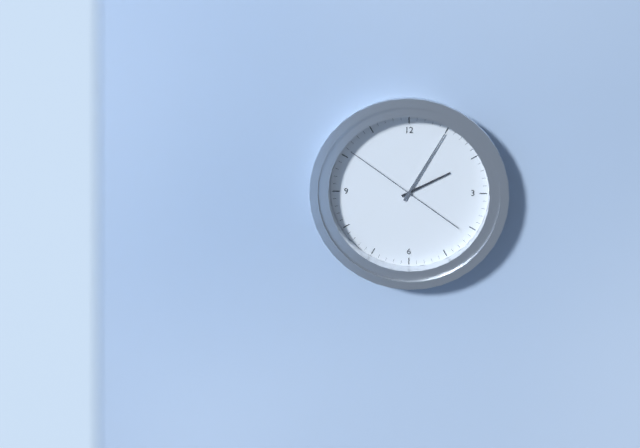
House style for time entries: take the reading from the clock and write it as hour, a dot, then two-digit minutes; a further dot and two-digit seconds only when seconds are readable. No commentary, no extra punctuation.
2.05.51
